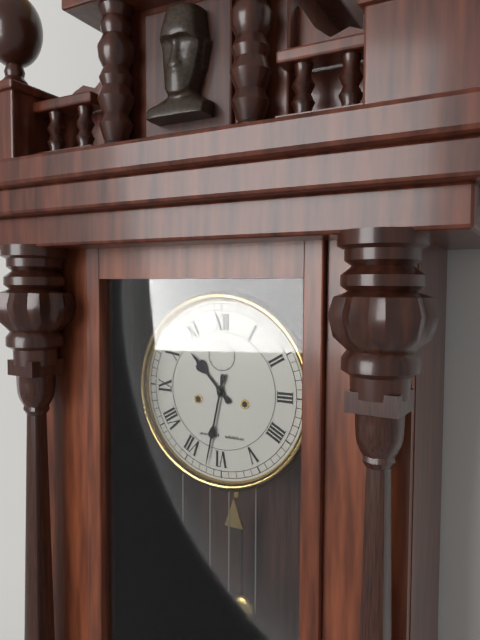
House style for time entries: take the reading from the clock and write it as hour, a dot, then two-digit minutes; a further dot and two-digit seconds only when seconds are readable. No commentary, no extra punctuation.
10.32
